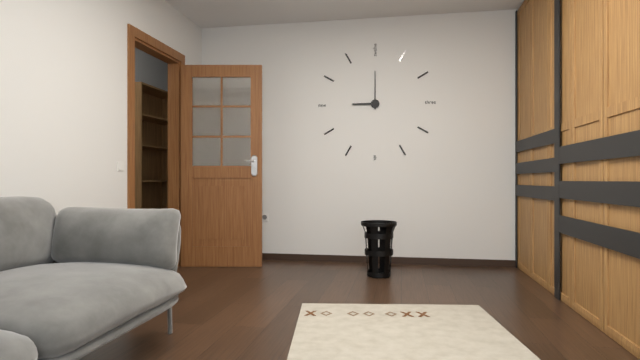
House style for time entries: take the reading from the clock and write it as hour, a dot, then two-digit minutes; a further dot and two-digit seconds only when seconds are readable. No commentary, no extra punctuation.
9.00
